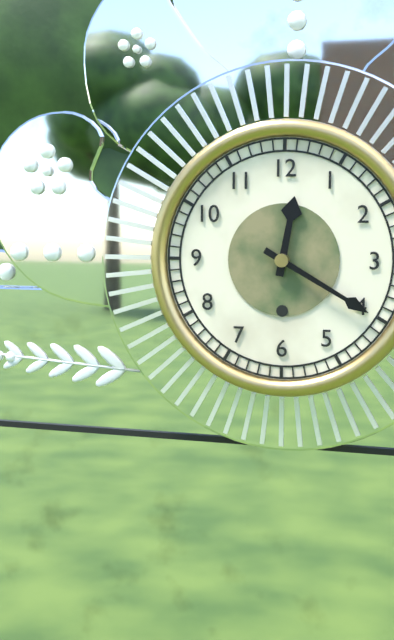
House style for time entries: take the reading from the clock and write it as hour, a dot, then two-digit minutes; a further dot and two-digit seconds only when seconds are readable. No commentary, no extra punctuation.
12.20
